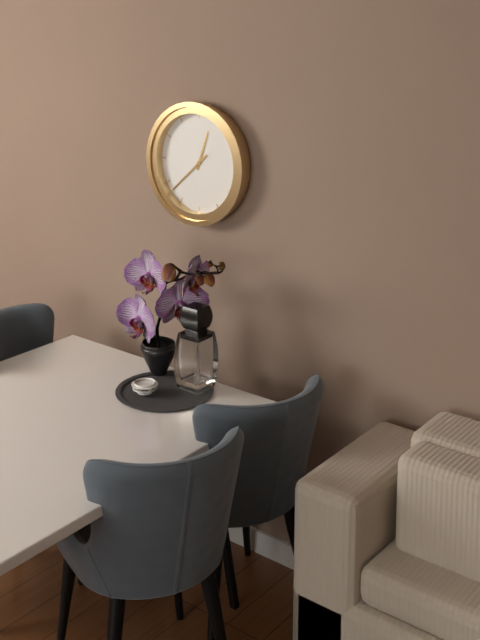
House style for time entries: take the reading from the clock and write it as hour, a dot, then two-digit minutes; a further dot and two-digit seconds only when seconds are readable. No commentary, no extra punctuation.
12.38
